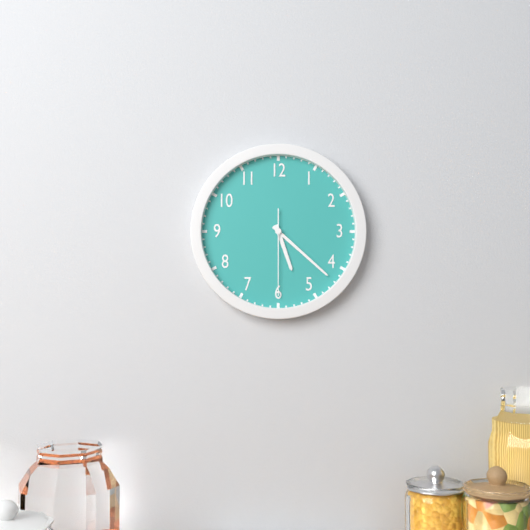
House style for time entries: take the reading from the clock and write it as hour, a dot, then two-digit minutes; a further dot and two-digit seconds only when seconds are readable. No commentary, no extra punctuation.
5.22.30
